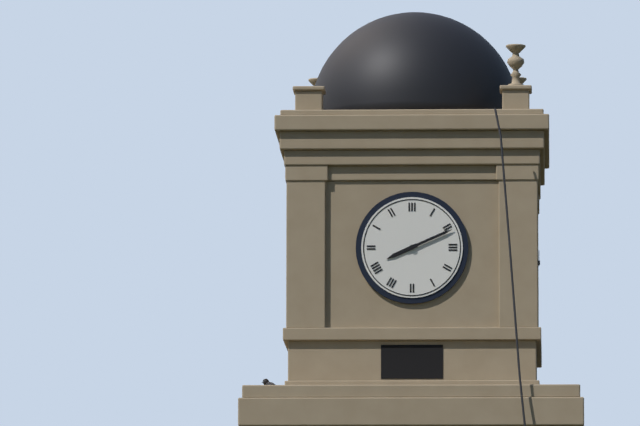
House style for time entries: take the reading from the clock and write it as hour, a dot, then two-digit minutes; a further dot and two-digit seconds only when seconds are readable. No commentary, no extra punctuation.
8.11
